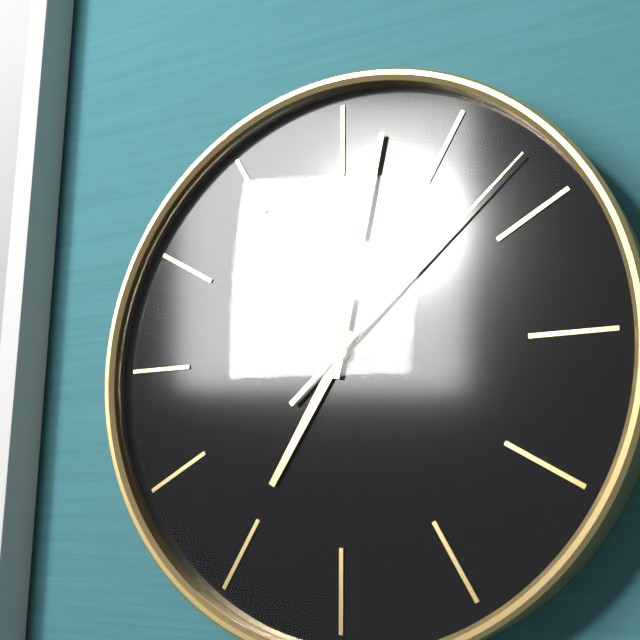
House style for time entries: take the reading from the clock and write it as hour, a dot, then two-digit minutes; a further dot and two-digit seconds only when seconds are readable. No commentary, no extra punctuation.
7.02.08
